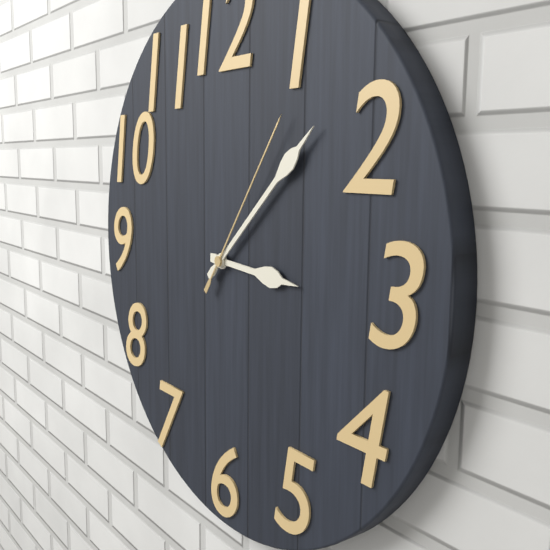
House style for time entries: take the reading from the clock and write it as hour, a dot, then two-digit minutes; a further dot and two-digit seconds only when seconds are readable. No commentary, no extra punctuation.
3.08.06
